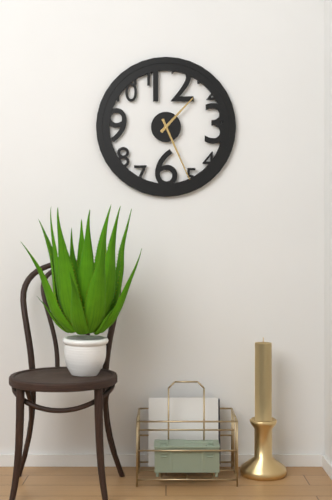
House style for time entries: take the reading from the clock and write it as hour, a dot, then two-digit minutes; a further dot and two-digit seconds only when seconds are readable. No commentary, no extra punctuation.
1.26
